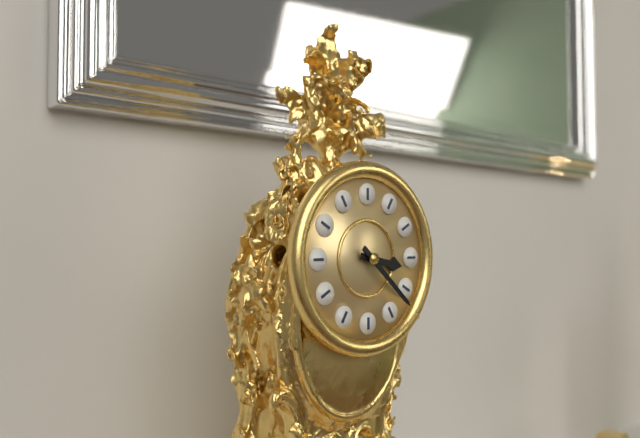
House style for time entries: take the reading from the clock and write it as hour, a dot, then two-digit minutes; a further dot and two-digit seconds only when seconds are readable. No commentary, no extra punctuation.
3.22
